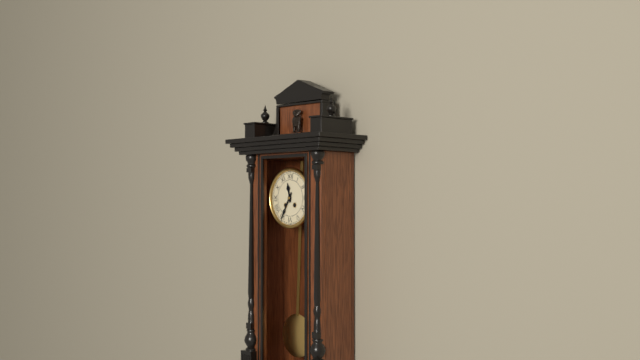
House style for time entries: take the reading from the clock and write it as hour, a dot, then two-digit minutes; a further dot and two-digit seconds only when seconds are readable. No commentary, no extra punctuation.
11.35
